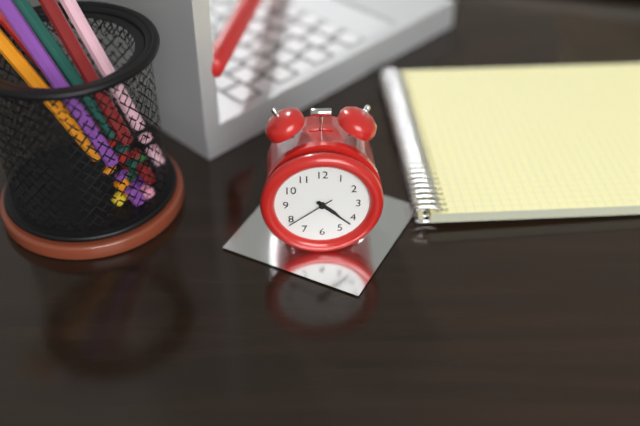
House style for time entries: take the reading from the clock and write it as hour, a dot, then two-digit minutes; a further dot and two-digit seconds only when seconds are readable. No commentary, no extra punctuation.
4.22
